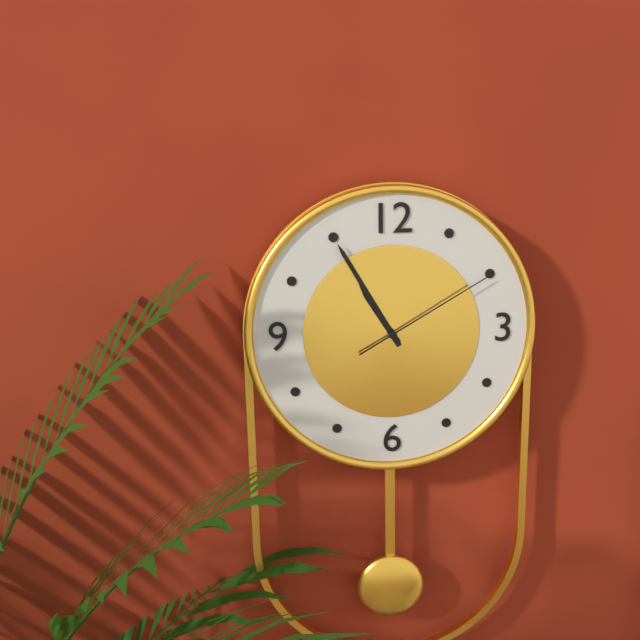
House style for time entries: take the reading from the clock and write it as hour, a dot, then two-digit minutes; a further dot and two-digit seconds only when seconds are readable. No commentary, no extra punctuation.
10.55.10
